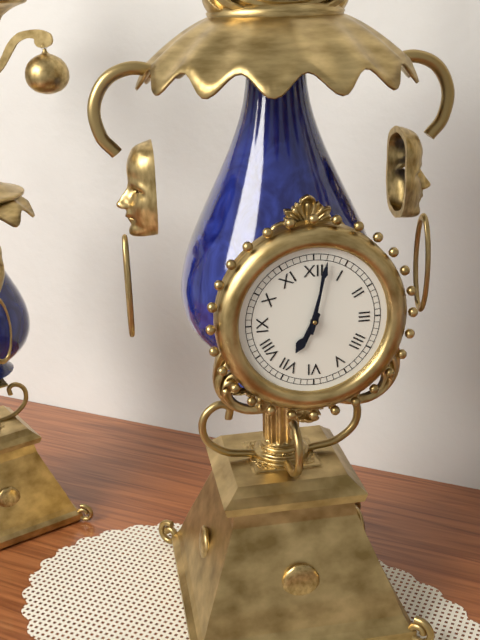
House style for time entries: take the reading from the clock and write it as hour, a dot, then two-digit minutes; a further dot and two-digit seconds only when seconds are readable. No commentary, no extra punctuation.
7.02
